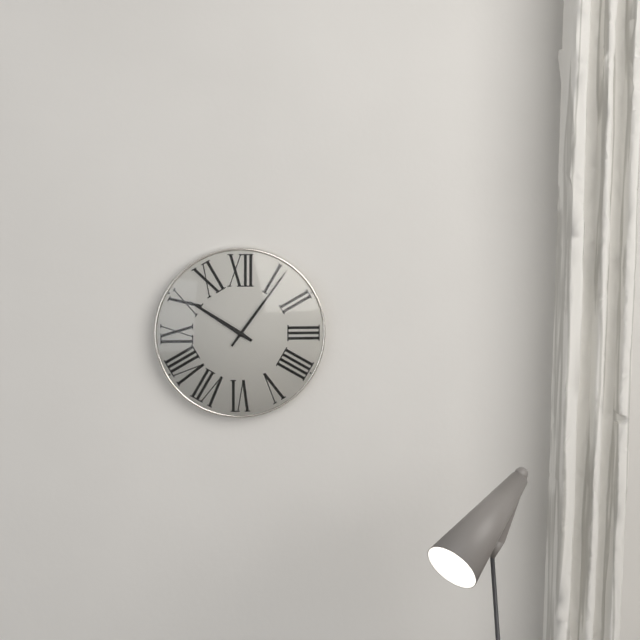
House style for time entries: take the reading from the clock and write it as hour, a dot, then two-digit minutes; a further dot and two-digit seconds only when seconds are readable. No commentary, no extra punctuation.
10.06
